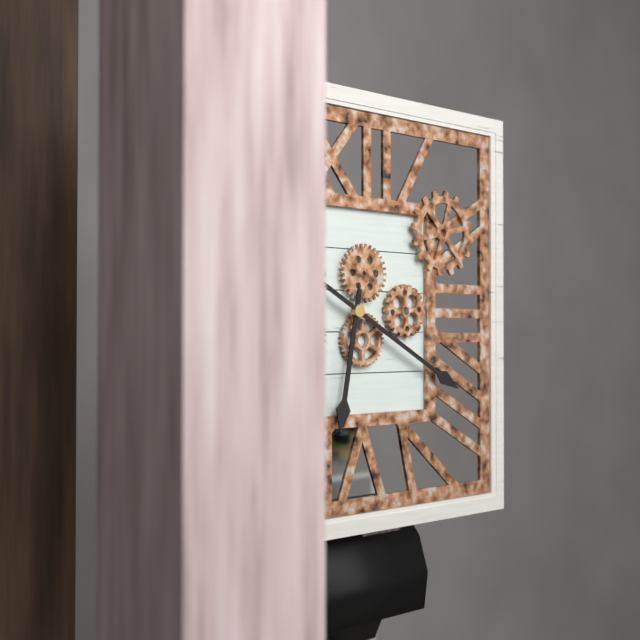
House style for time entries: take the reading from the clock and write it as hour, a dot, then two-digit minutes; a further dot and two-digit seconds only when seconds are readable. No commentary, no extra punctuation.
6.20
